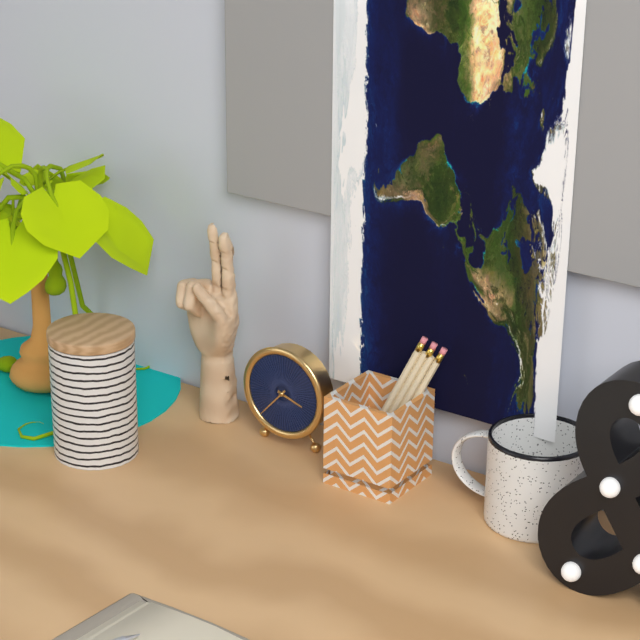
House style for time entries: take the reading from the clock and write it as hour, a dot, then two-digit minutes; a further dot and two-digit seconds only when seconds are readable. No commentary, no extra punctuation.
3.37
